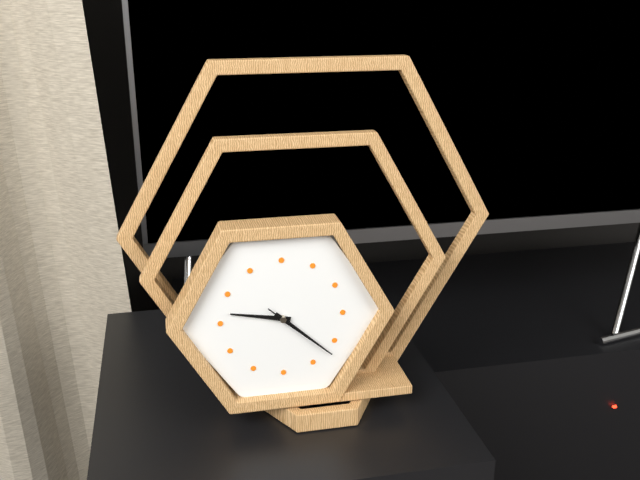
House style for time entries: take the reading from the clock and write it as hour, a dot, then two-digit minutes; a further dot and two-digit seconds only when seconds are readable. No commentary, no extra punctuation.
9.22.22
